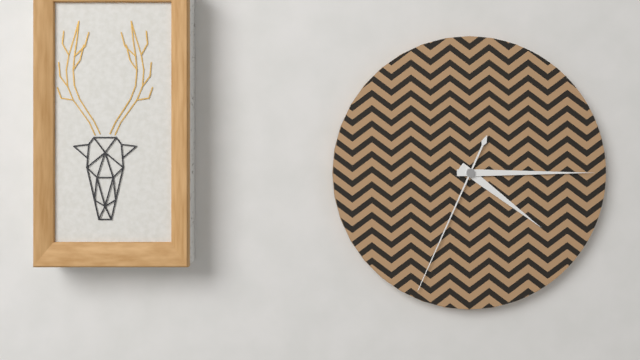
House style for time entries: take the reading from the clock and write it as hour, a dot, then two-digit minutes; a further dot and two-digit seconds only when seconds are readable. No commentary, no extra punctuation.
4.15.34
